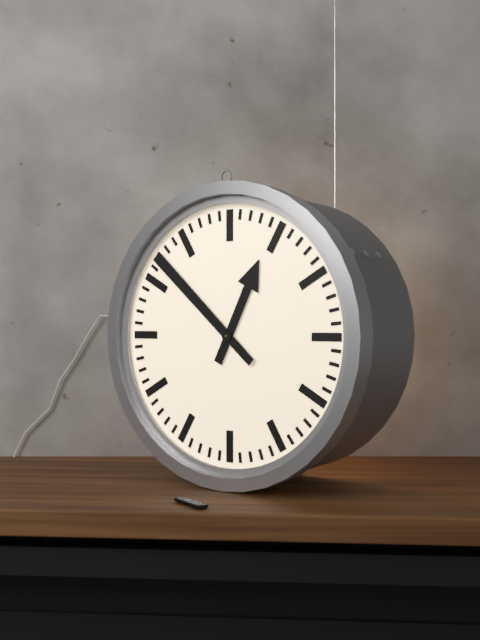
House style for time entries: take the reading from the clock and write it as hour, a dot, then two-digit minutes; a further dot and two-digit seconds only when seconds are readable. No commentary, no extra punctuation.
12.52
